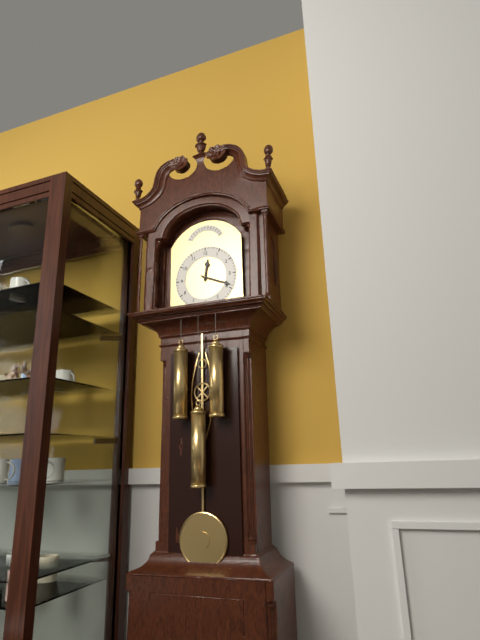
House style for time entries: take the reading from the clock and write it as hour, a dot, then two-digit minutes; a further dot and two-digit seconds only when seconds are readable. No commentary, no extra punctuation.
12.19
